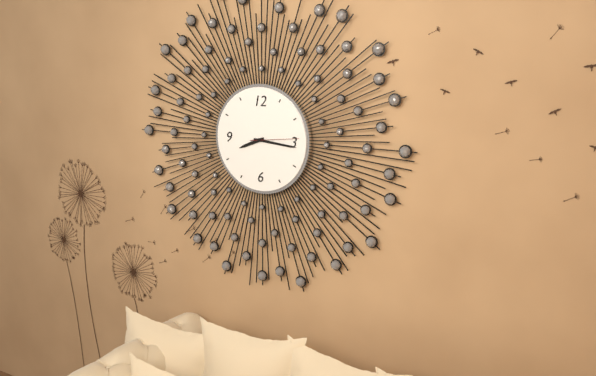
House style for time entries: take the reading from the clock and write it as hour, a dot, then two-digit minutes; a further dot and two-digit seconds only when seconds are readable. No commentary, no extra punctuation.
8.16.14
